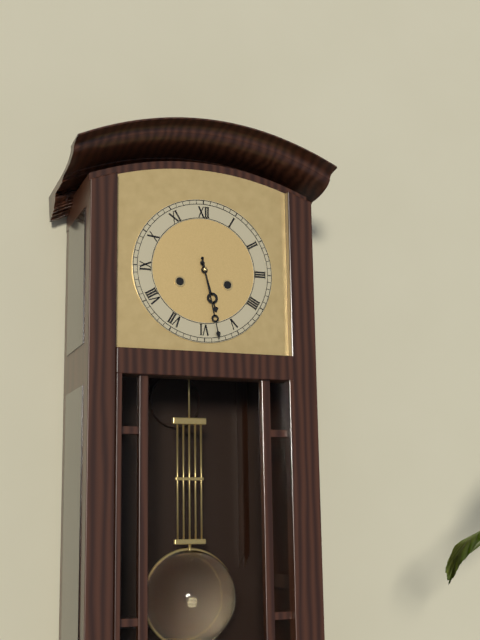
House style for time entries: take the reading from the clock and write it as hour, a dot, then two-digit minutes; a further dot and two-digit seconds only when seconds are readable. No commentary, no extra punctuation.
5.28
